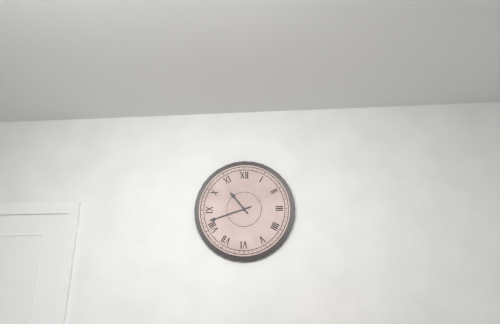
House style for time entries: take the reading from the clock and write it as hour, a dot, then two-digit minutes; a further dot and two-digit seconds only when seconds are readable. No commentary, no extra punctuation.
10.42
